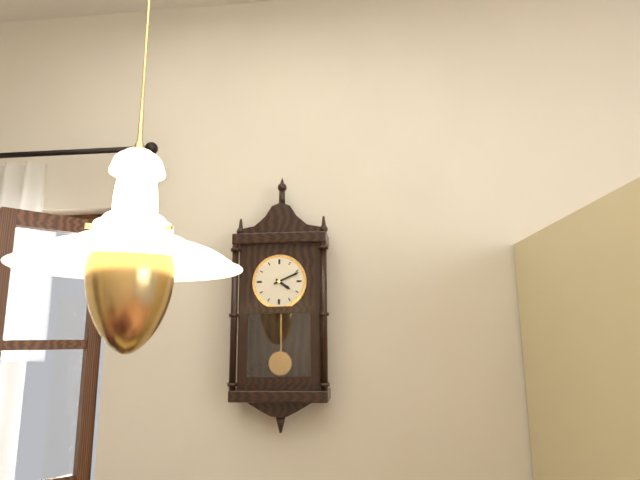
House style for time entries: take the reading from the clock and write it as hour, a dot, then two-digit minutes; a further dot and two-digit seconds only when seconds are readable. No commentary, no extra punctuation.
4.11
